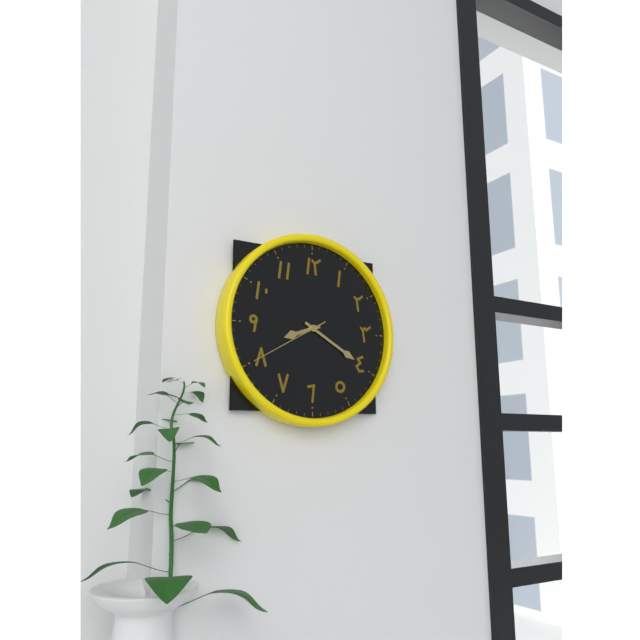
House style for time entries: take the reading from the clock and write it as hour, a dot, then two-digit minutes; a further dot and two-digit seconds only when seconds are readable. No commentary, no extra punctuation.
8.20.40
